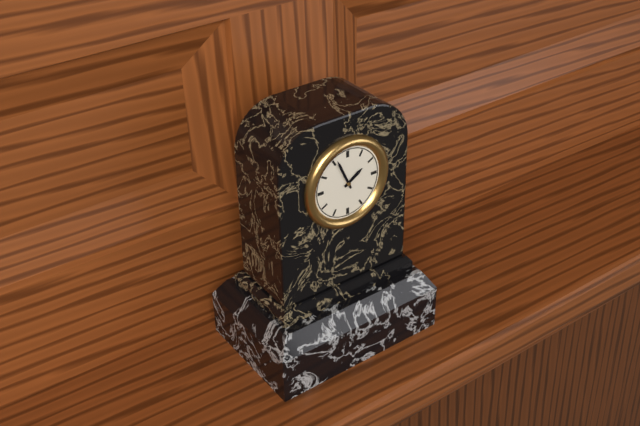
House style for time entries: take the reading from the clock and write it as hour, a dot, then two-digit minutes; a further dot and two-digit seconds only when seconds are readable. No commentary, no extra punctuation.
1.56
